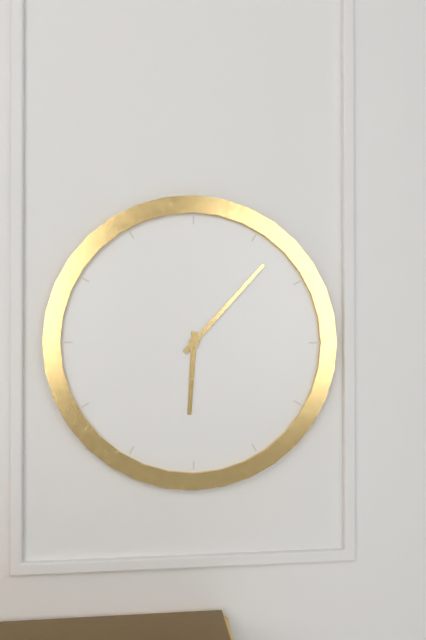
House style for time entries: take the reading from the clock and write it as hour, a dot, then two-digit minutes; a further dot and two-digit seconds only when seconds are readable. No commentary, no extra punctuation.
6.07
